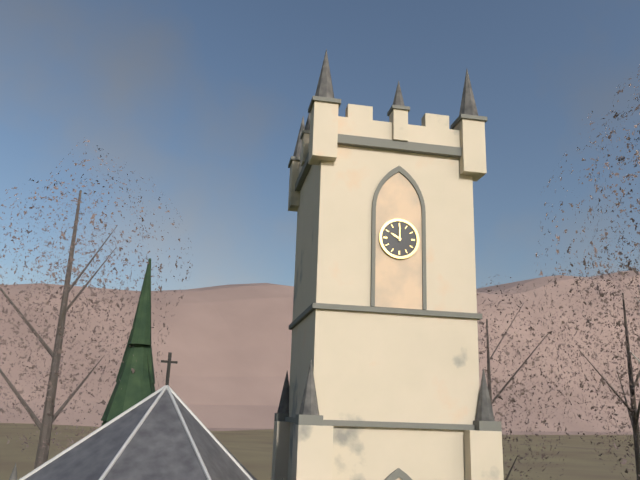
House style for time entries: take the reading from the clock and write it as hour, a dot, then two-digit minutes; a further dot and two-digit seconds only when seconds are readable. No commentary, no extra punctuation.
10.00
